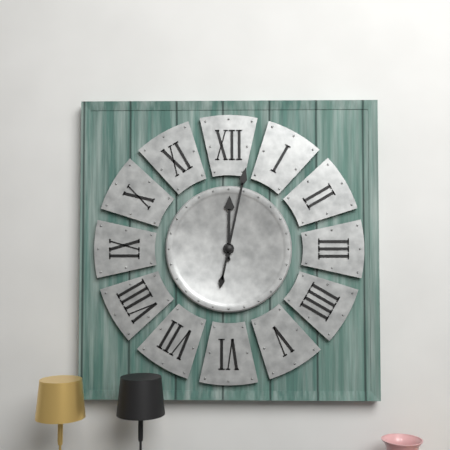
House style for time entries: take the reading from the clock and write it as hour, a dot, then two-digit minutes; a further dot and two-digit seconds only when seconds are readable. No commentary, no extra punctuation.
12.02
